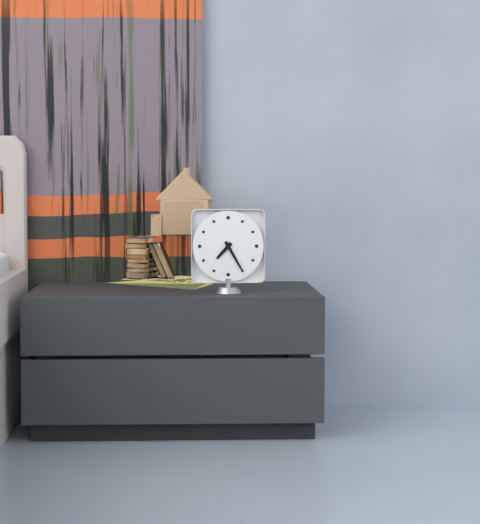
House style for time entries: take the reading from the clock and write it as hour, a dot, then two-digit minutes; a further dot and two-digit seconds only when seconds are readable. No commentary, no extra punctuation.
7.25
